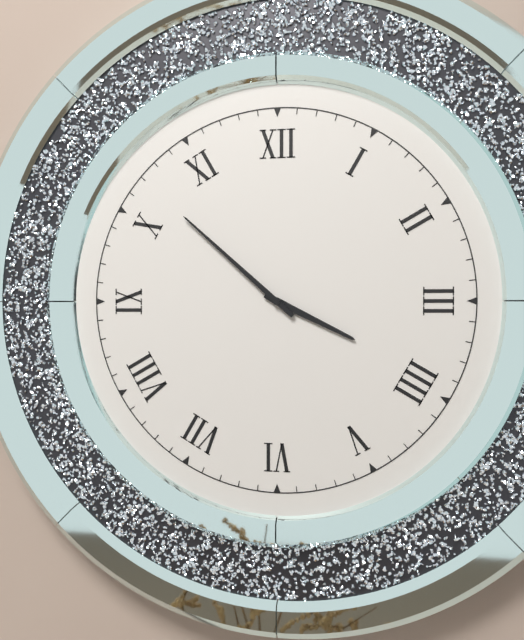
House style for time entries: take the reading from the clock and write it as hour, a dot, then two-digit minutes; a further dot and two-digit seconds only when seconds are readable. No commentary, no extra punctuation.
3.52
